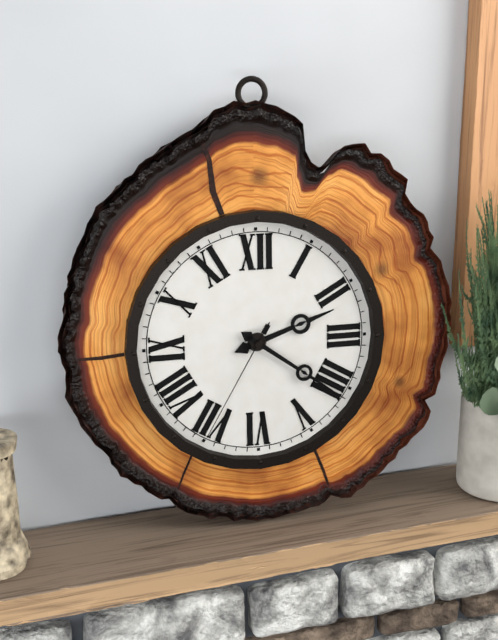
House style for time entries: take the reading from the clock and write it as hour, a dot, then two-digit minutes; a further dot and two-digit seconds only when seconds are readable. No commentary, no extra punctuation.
2.21.35
